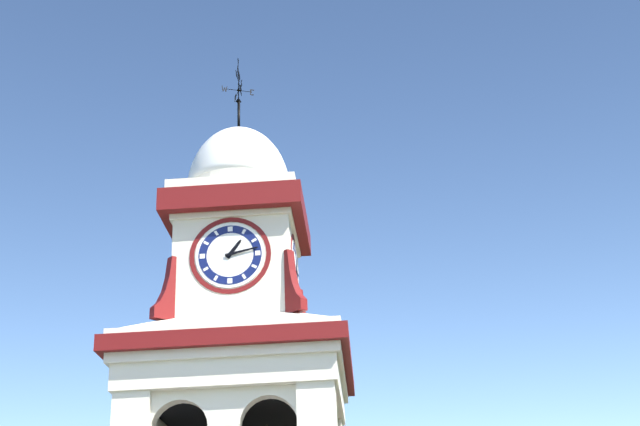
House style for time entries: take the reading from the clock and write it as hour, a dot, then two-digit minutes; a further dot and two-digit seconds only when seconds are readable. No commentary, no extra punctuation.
1.13
